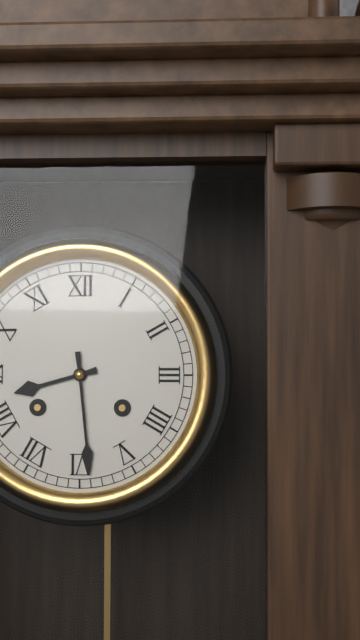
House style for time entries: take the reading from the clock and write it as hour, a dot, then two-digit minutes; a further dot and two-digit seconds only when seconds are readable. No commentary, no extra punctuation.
8.29
